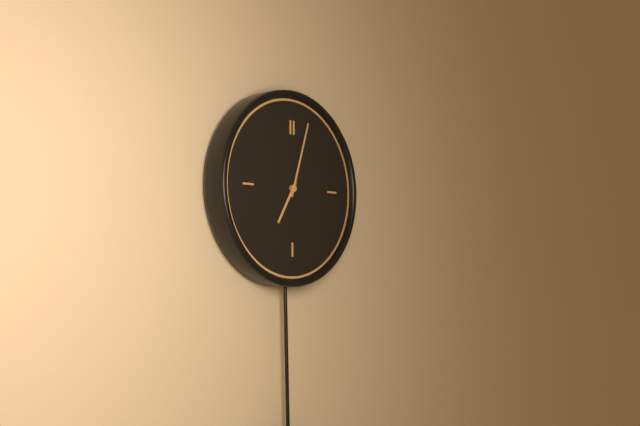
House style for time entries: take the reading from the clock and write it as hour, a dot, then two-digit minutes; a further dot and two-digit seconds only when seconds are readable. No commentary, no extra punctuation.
7.03
